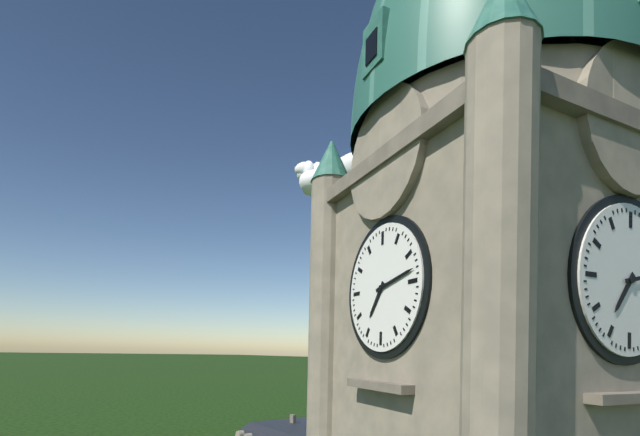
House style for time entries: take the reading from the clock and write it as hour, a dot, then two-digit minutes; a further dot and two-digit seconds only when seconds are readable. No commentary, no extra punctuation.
7.13
